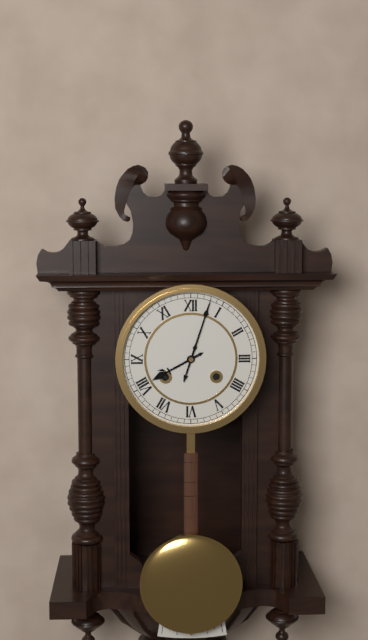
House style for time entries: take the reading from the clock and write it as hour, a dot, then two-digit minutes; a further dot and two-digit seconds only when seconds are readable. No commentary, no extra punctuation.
8.03
